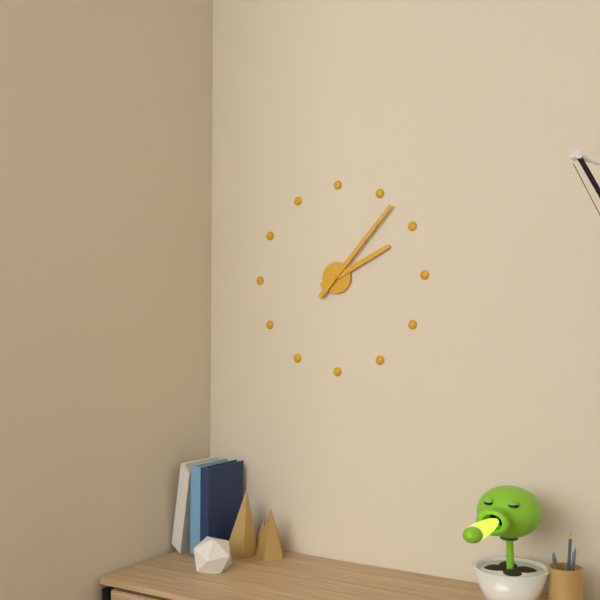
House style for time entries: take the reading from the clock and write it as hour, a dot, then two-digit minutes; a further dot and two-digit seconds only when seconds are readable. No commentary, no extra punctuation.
2.07
